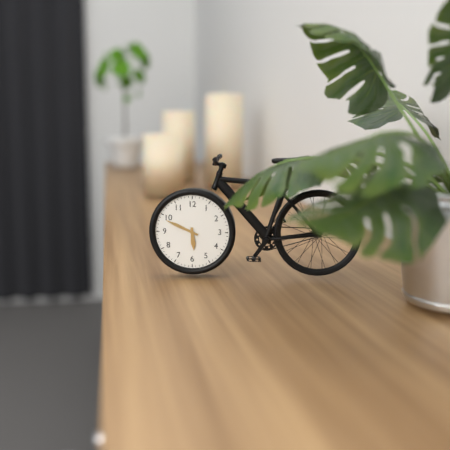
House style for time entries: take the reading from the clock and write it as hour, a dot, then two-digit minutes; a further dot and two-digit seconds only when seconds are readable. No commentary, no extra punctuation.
5.49
